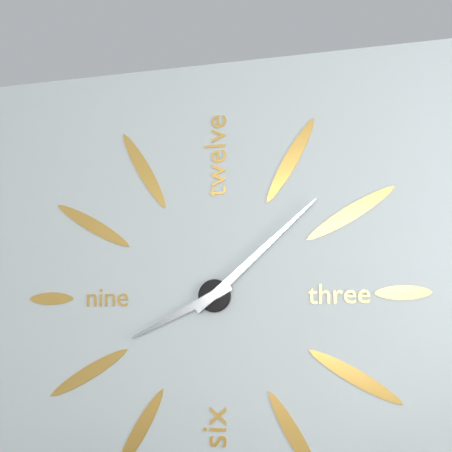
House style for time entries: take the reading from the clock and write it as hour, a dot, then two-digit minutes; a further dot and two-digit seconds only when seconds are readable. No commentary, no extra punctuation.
8.08
